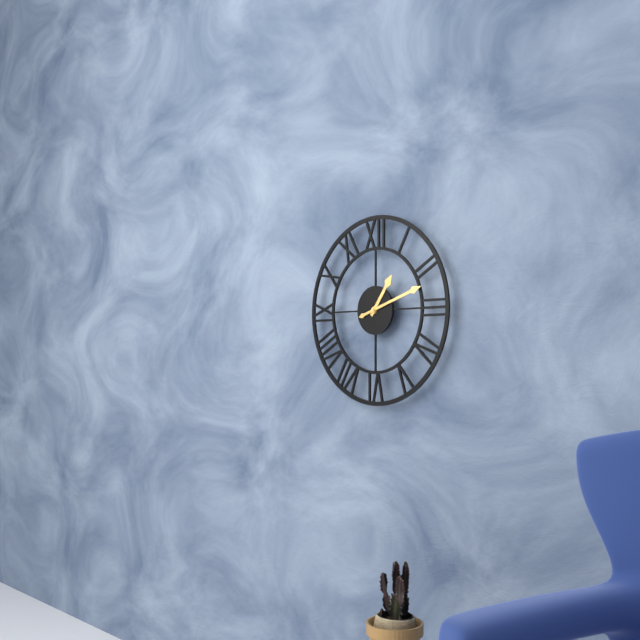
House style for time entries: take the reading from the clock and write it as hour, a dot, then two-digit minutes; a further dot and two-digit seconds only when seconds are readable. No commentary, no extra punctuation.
1.12
